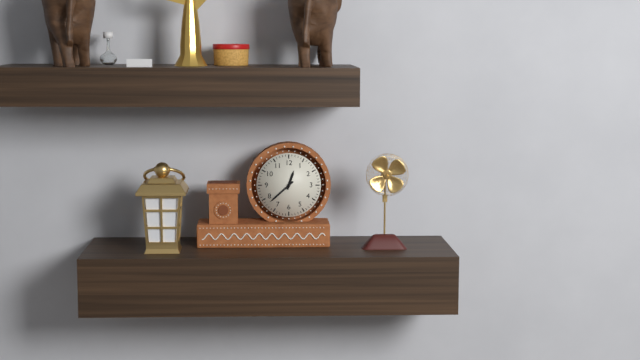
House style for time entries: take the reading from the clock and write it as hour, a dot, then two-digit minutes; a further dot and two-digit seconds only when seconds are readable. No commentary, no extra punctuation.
12.38
